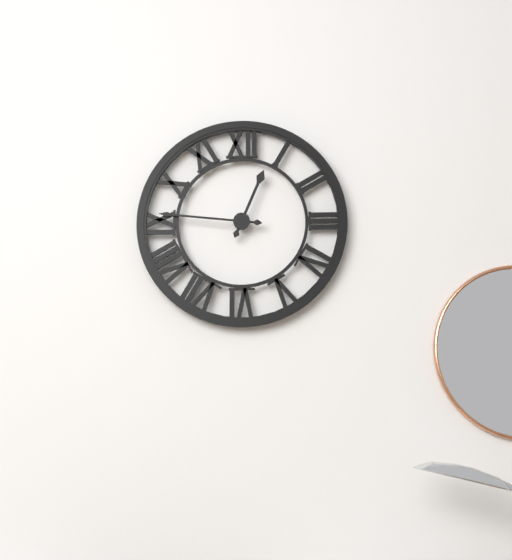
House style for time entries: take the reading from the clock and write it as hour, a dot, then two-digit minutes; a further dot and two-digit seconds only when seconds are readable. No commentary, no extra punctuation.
12.46
